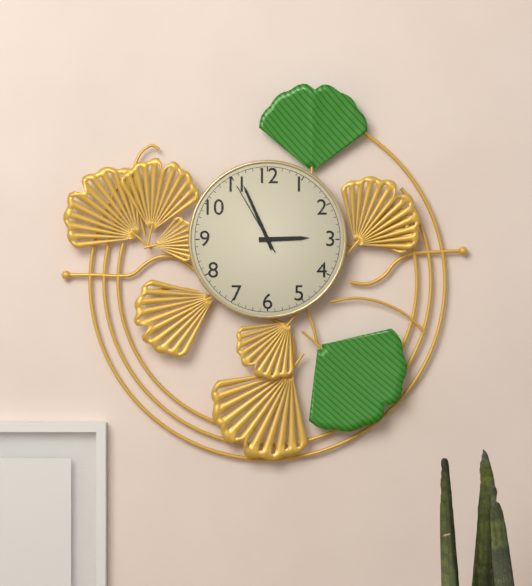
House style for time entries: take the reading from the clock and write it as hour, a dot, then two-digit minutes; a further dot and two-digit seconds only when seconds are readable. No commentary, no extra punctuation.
2.56.55
